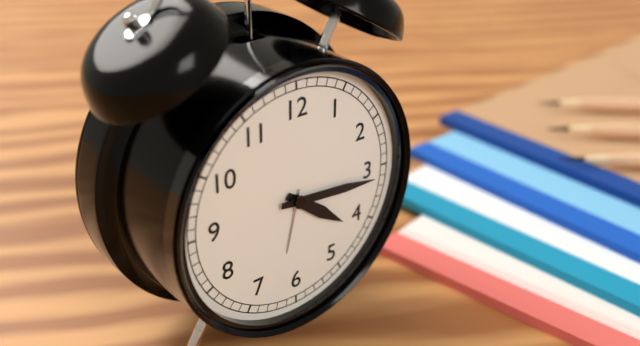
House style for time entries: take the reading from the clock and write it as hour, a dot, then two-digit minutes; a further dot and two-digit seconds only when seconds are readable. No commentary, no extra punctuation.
4.16
